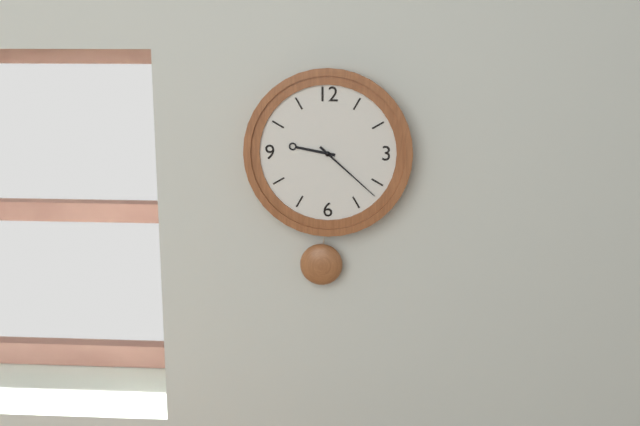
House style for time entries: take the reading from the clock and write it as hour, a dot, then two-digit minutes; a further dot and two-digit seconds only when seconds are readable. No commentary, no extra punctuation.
9.22
